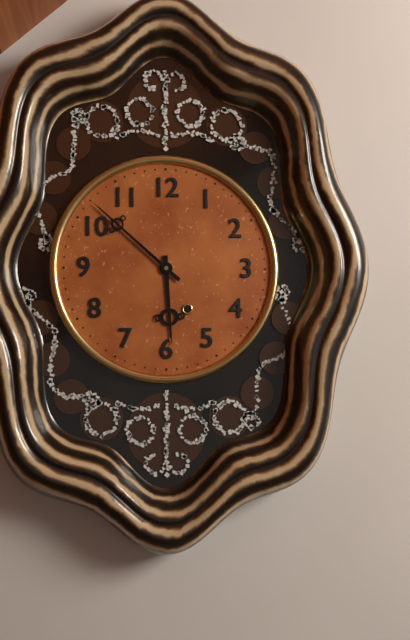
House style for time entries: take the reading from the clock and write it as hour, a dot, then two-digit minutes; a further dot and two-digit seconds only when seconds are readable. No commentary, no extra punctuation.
5.52
